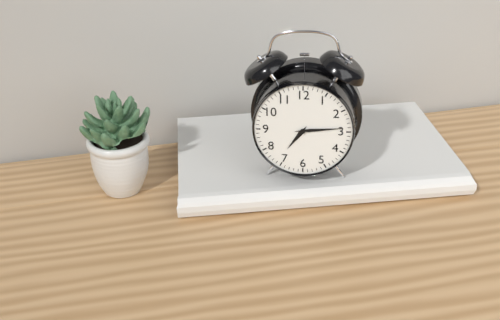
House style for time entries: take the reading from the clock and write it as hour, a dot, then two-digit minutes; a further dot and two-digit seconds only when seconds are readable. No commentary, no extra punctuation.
7.14
